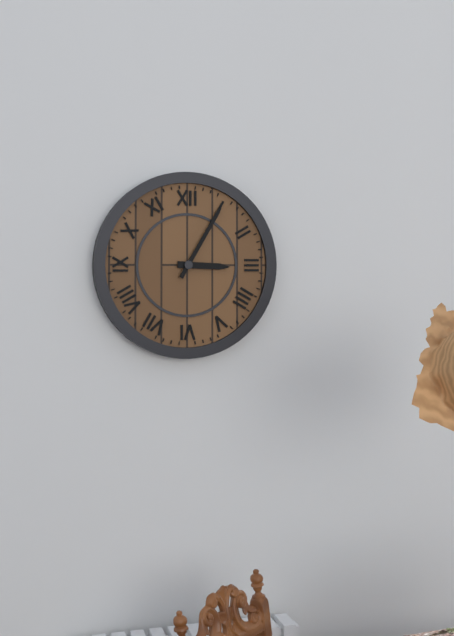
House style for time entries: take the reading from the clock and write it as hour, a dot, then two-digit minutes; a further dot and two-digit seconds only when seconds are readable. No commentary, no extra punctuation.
3.05
